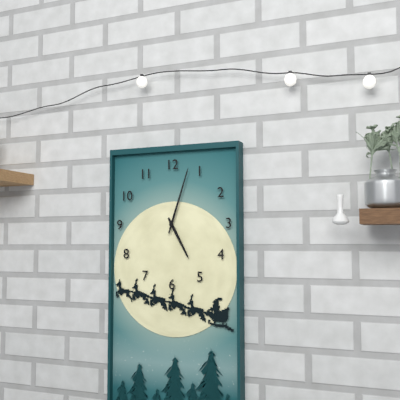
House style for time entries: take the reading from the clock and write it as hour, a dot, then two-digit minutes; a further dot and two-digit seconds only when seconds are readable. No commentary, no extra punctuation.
5.03
